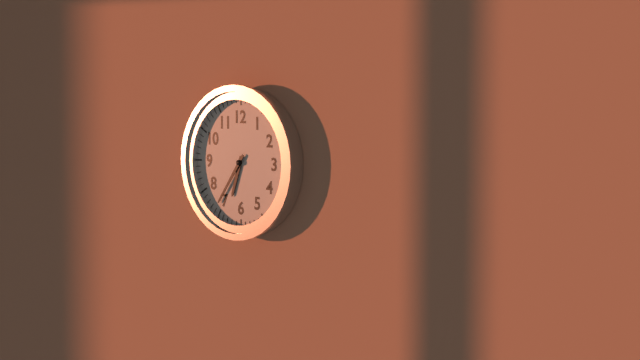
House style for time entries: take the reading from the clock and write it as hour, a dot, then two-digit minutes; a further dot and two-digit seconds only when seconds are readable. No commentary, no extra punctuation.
6.36
